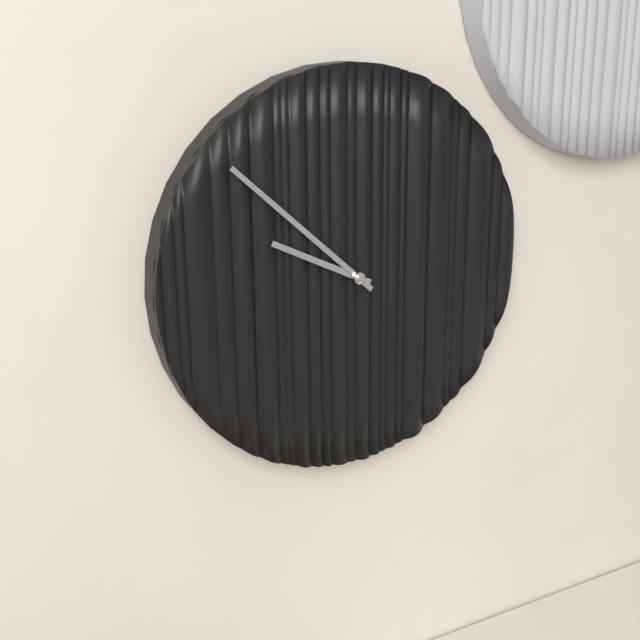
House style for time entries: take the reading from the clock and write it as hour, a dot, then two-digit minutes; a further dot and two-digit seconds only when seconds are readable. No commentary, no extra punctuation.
9.52
